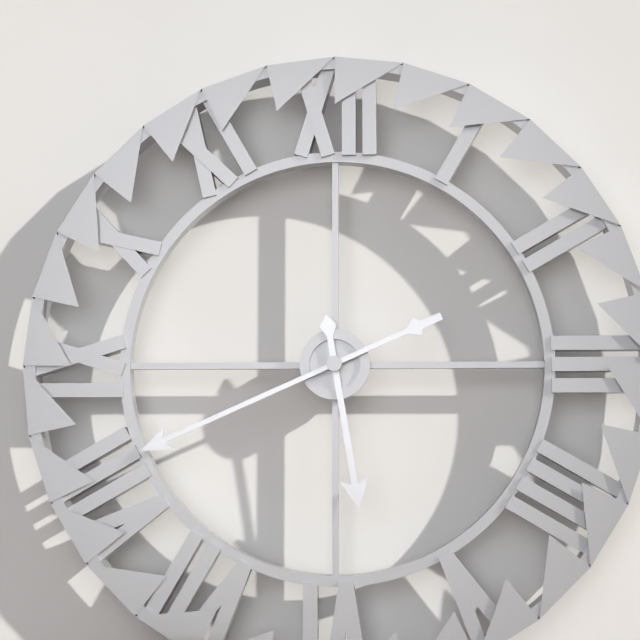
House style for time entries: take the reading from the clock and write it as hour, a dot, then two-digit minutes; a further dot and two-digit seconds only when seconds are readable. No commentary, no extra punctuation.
5.41
